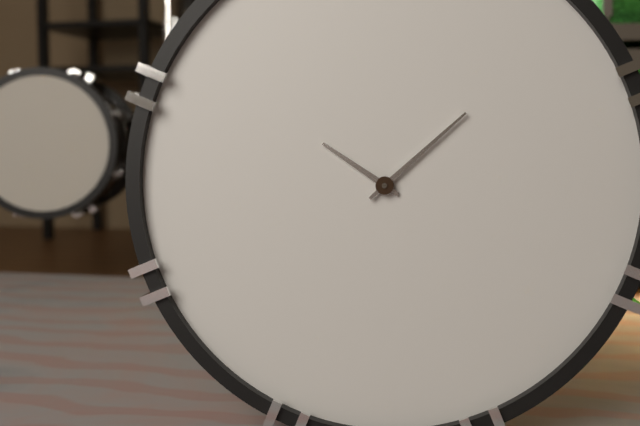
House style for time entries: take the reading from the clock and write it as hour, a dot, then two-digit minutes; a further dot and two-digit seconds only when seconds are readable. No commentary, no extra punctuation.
10.08
